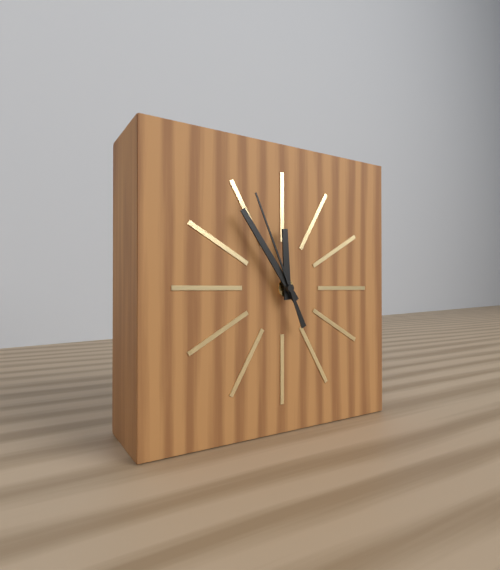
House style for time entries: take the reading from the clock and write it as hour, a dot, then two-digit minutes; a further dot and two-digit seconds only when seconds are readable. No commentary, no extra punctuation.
11.54.56
